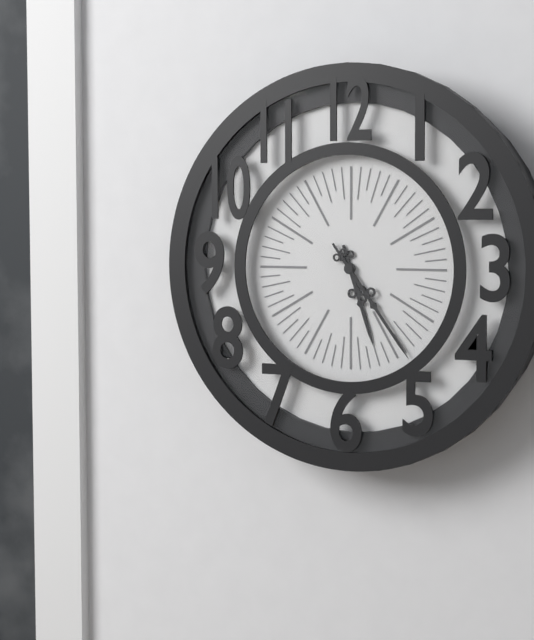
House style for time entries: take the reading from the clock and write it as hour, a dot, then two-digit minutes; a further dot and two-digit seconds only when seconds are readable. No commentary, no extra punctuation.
5.24
